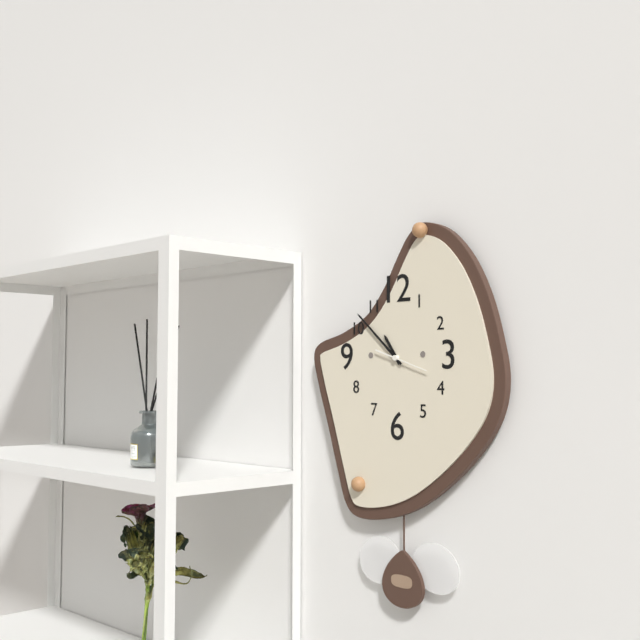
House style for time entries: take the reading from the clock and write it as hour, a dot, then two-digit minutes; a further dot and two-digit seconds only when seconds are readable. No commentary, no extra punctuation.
10.52
